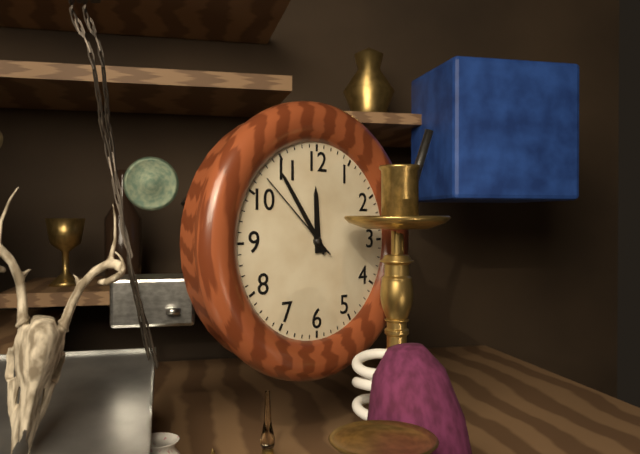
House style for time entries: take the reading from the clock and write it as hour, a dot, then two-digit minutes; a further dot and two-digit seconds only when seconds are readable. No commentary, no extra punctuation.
11.54.52
